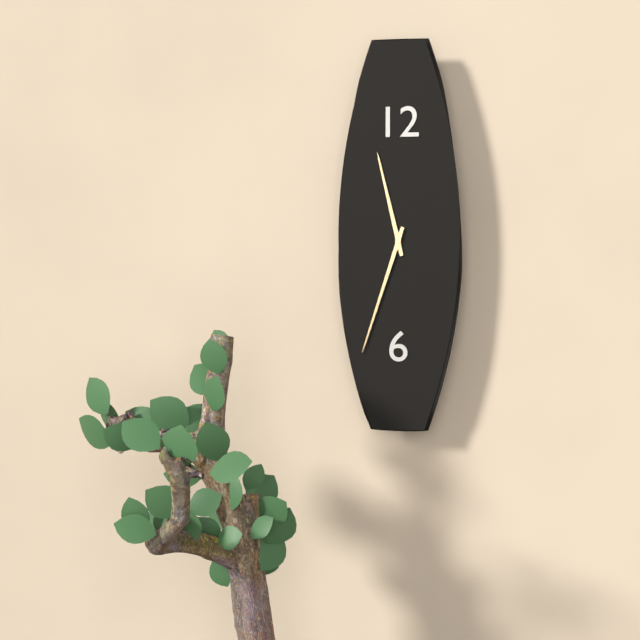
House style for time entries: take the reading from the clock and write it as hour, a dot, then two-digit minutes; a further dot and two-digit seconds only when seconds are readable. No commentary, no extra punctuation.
11.33
